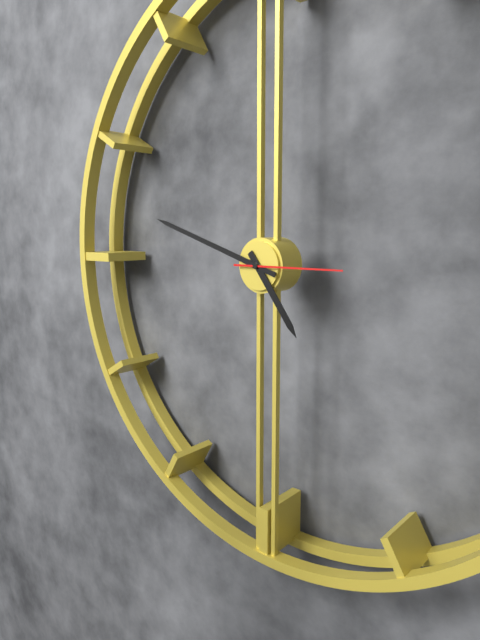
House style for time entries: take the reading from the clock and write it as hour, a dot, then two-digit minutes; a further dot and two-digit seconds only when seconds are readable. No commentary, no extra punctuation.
4.48.15
